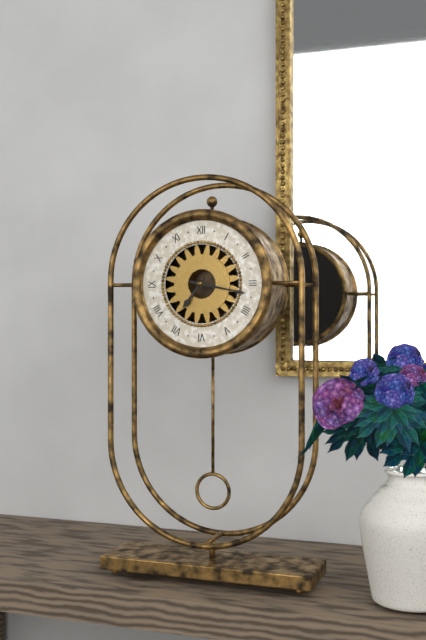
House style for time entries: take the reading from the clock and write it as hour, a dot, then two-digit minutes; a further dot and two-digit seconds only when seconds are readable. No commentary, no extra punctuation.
7.17
